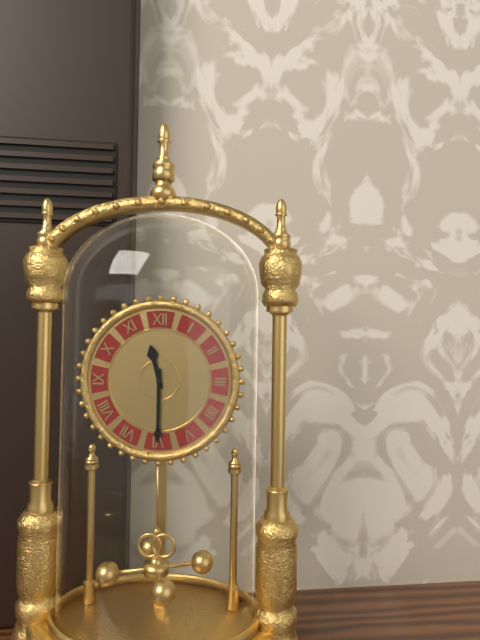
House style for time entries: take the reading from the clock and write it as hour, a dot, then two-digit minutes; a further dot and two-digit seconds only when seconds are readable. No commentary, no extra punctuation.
11.30
